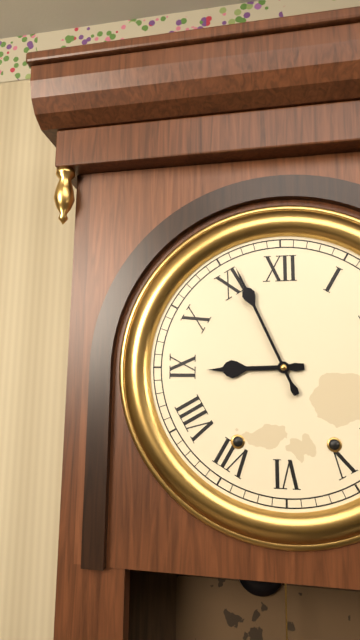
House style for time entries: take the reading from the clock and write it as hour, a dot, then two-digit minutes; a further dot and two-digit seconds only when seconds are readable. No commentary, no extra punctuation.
8.56
